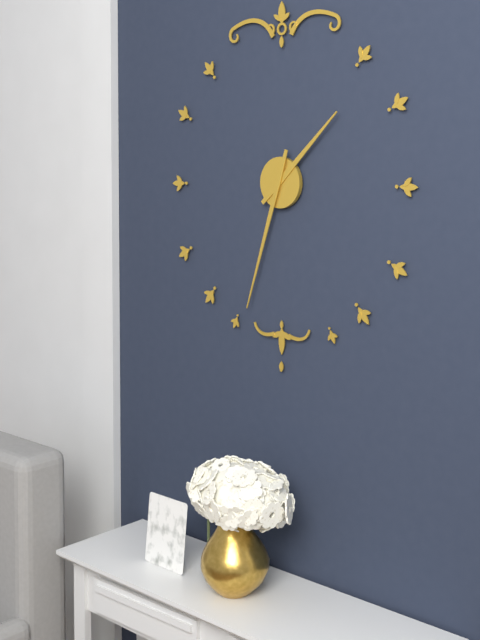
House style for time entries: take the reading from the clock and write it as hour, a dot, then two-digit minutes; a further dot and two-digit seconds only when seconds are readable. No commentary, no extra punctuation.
1.33
